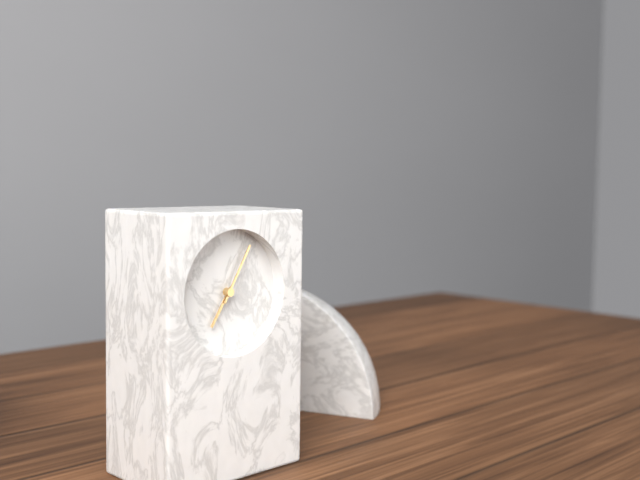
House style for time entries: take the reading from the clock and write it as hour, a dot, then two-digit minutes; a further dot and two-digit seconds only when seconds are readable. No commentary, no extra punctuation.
7.05
